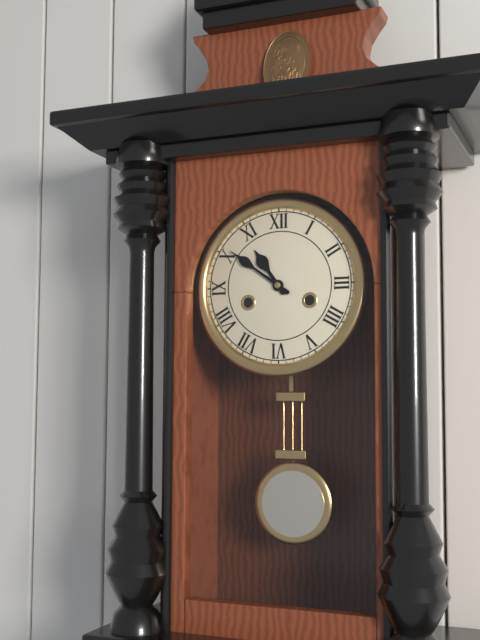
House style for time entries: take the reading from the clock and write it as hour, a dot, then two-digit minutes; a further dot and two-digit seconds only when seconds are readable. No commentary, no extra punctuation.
10.51
